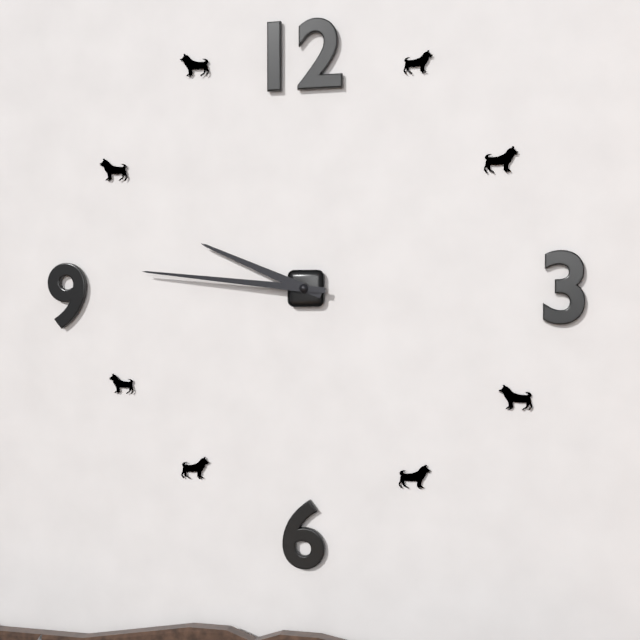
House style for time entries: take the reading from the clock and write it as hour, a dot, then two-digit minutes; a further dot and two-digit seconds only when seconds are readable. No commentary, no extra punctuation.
9.46
